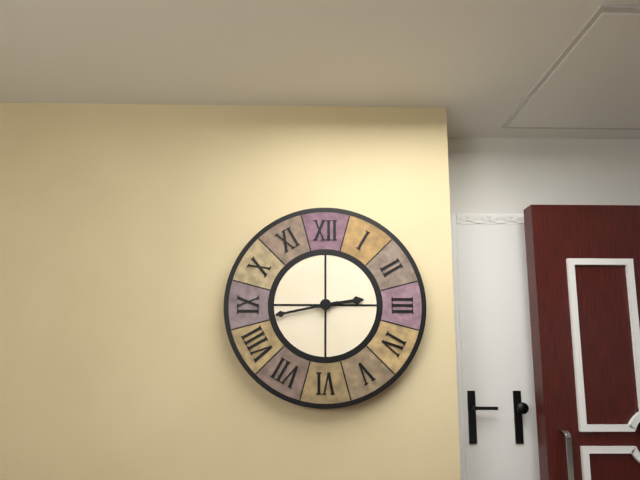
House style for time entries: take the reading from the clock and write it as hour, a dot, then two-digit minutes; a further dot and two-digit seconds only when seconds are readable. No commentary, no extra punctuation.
2.43
